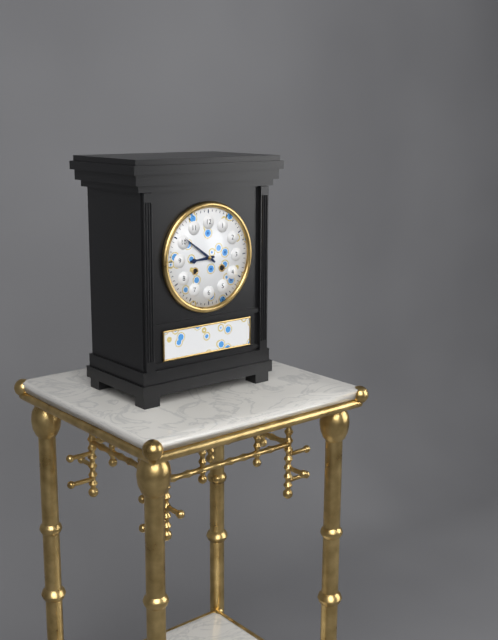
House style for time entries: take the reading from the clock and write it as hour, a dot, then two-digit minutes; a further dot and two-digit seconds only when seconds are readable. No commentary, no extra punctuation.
8.51
